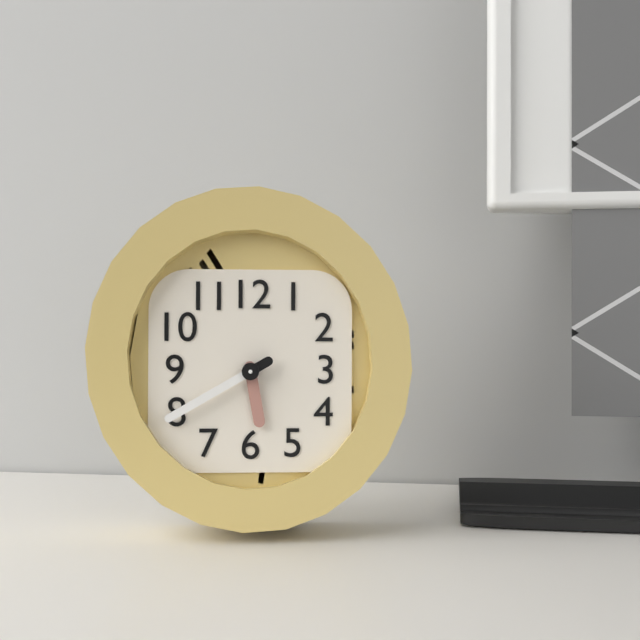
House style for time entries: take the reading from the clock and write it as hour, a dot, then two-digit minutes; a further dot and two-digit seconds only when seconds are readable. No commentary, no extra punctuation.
5.40
